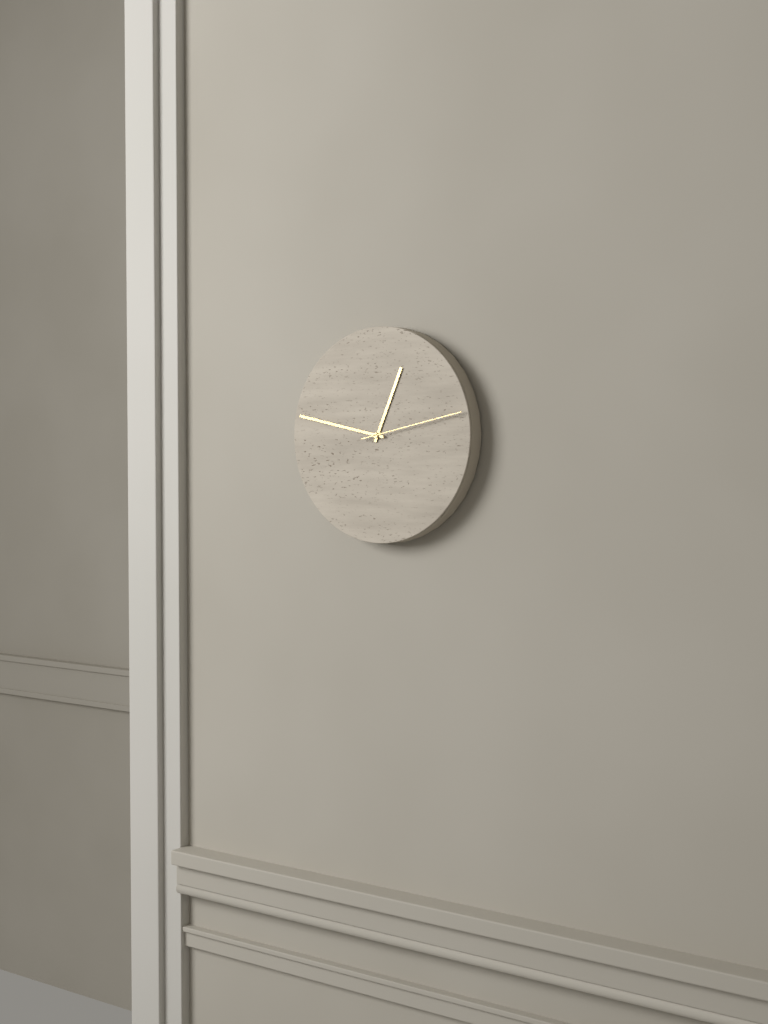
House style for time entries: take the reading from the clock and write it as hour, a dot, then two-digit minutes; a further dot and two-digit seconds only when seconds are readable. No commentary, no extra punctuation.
12.47.13
